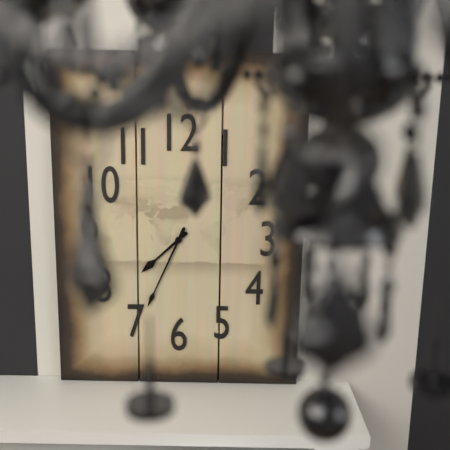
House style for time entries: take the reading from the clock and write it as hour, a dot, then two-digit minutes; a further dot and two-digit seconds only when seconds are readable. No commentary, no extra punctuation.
7.34
